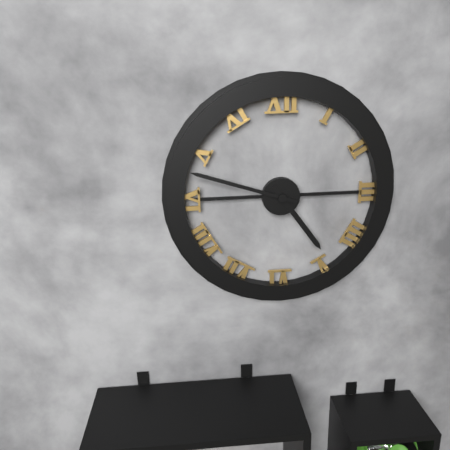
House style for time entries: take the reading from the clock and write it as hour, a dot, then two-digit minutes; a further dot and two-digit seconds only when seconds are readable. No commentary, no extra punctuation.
4.48
